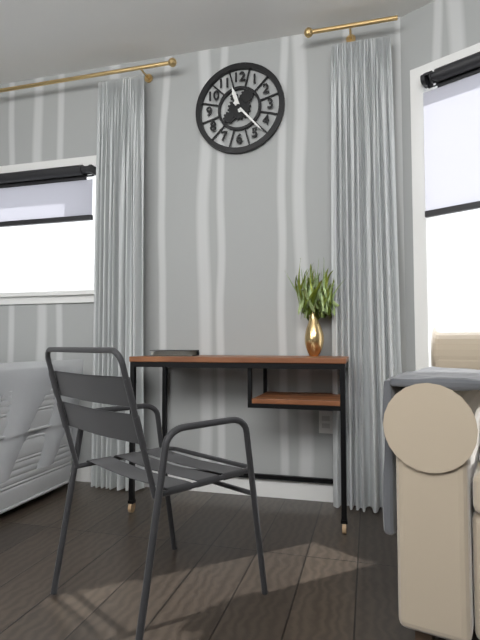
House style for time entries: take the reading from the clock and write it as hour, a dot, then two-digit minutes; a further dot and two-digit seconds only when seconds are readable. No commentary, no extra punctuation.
11.23
